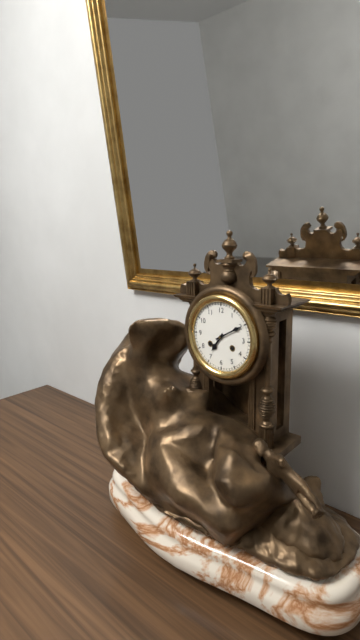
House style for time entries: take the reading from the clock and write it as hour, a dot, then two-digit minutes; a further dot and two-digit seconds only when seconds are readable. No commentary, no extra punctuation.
7.10
